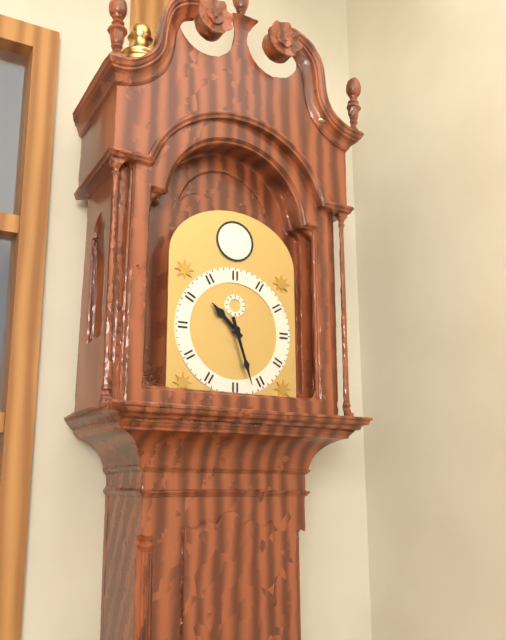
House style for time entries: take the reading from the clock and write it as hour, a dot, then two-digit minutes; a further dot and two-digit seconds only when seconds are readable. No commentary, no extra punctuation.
10.27
